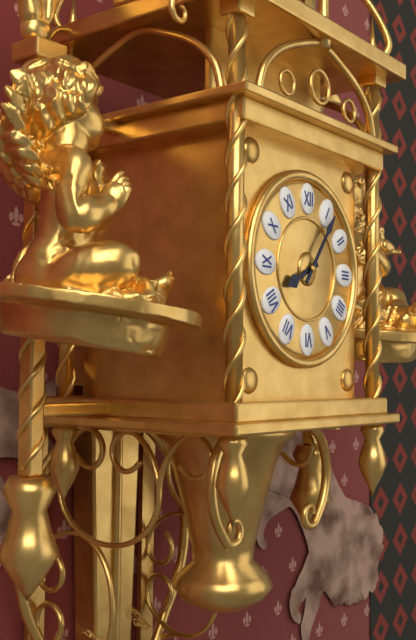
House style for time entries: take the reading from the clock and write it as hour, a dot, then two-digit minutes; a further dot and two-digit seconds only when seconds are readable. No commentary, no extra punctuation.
8.06
